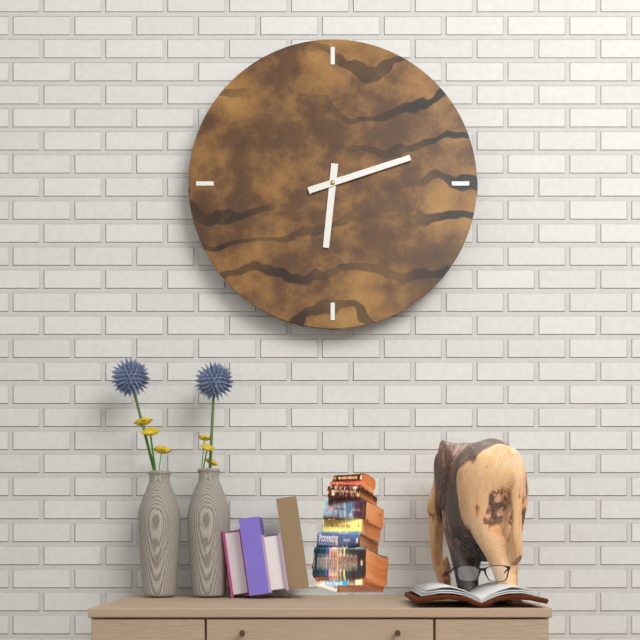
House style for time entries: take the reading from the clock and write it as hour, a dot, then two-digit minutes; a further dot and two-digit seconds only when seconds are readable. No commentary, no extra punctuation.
6.12
